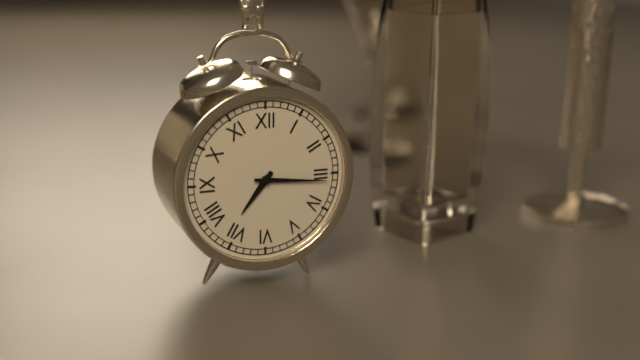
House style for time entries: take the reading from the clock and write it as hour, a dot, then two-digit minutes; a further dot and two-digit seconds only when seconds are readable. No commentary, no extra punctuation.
7.16
